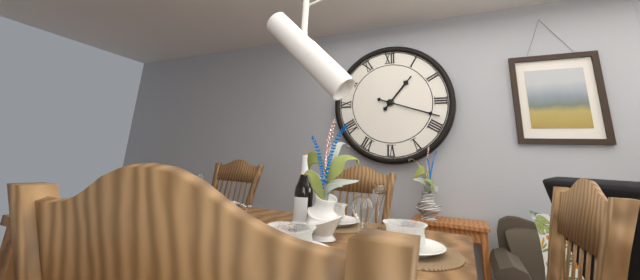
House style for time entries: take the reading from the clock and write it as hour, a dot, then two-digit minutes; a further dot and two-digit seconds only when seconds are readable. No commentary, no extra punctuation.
1.18
